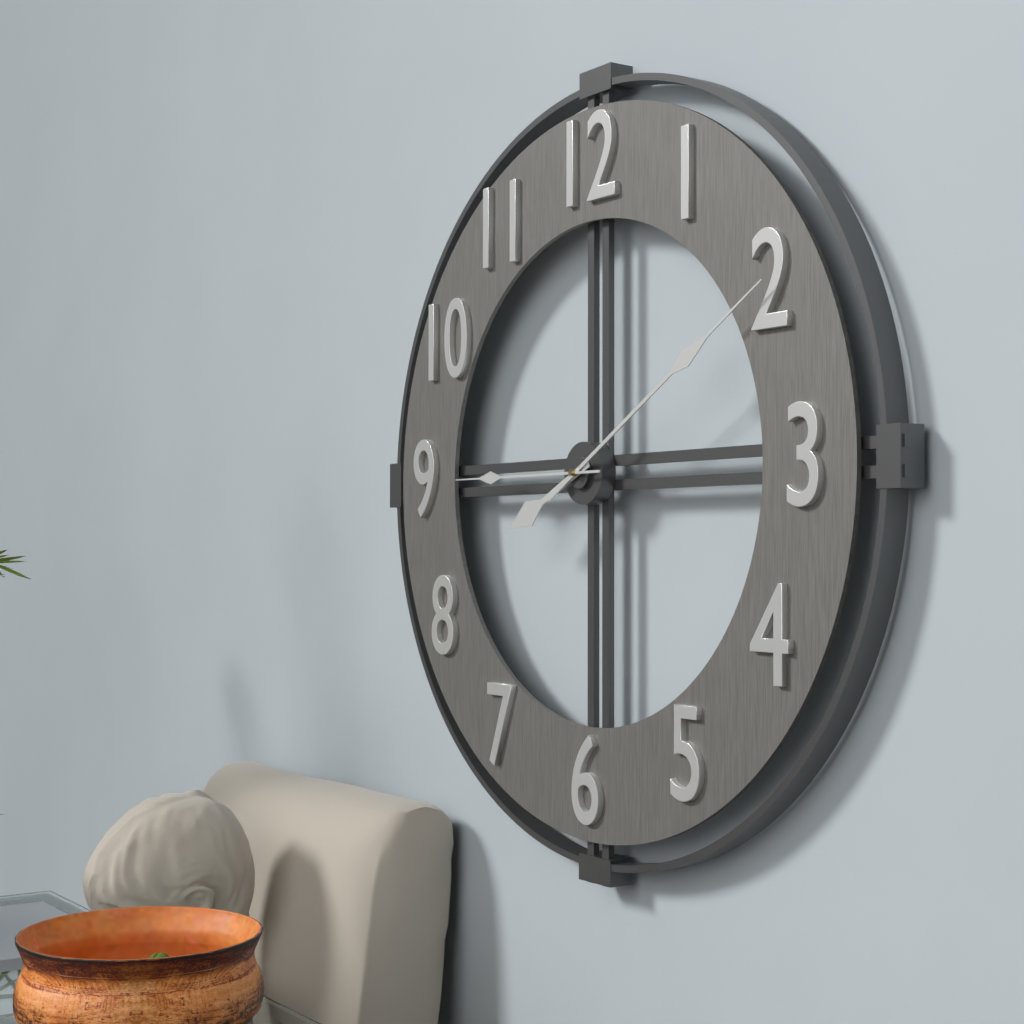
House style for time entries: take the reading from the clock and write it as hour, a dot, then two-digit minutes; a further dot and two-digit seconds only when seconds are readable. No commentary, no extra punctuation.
8.10.45
